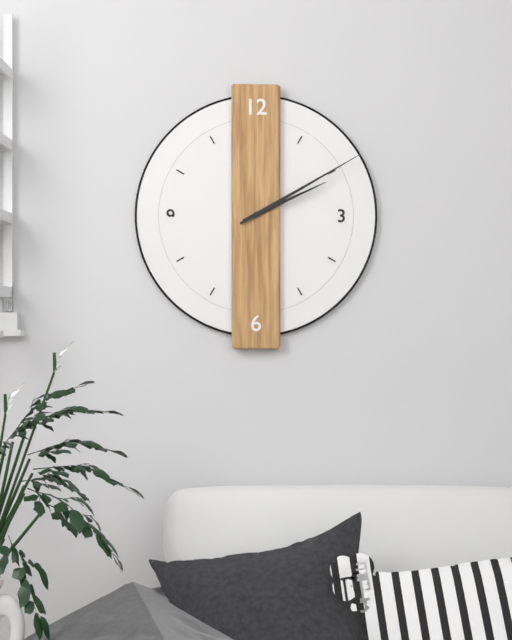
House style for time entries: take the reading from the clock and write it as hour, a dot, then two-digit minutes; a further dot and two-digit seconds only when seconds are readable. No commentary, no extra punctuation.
2.10
